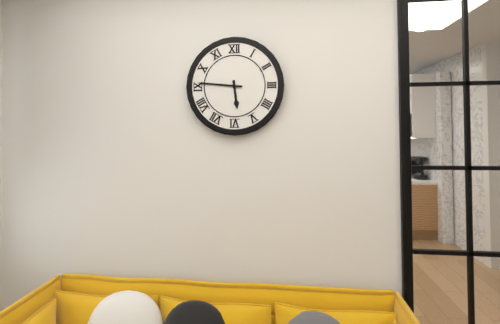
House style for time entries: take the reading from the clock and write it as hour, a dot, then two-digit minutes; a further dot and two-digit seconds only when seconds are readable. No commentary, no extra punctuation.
5.46
